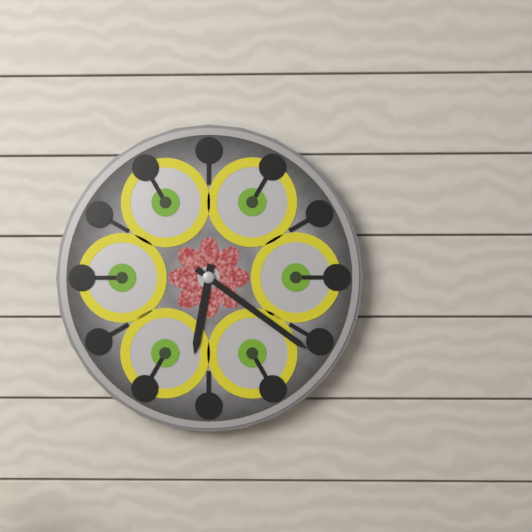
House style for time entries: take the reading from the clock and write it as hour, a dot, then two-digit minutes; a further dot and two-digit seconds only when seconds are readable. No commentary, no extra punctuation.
6.21
